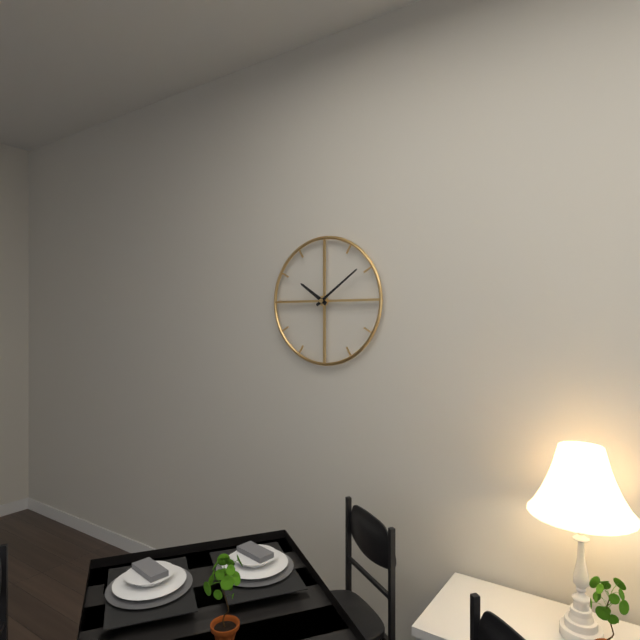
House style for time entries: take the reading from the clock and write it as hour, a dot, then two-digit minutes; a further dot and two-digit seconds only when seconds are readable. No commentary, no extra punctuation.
10.09
